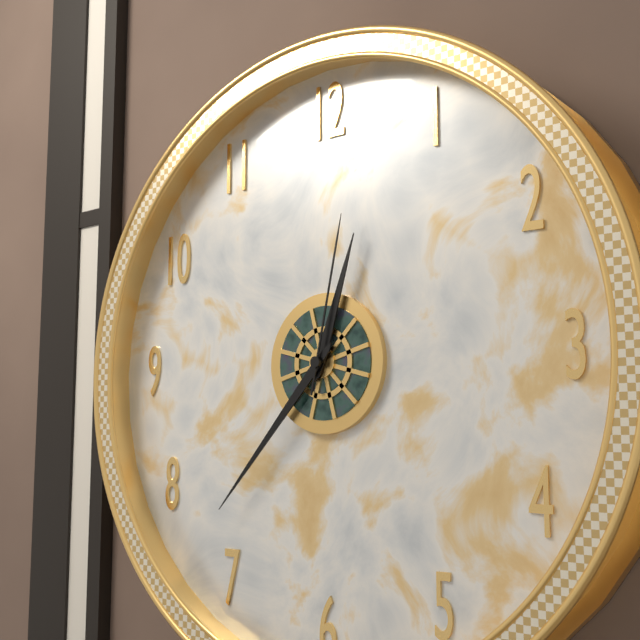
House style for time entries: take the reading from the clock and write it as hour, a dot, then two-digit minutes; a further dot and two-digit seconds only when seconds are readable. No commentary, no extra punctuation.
12.37.02
